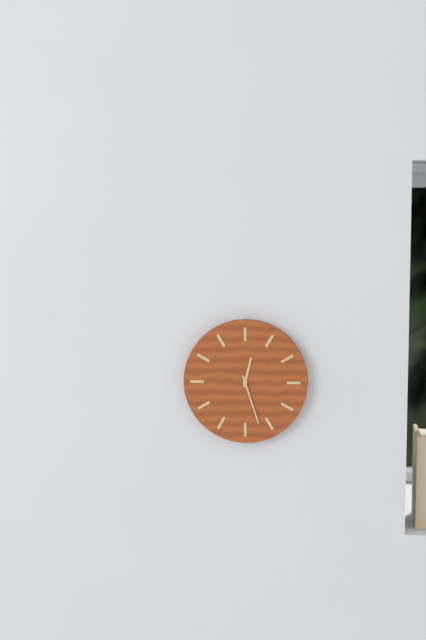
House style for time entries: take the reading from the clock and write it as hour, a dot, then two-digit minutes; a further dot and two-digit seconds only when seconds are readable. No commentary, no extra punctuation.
12.27
